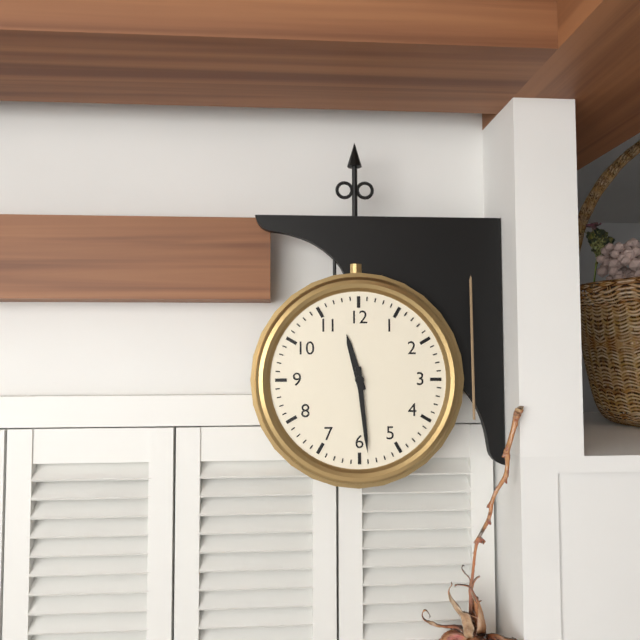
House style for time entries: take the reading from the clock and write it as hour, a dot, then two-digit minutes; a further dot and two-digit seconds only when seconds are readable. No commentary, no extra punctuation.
11.29
